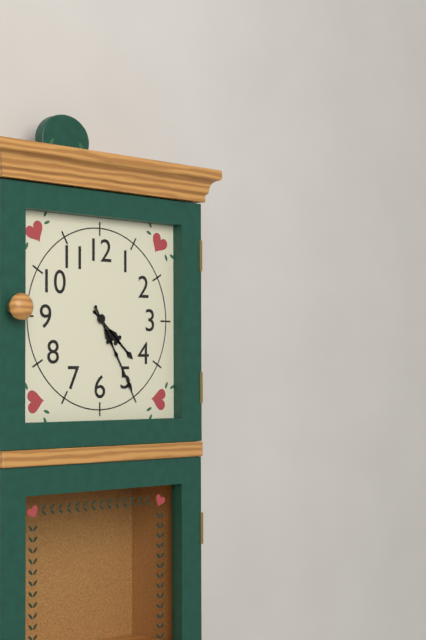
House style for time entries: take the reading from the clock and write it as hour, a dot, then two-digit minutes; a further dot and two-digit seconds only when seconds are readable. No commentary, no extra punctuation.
4.25
